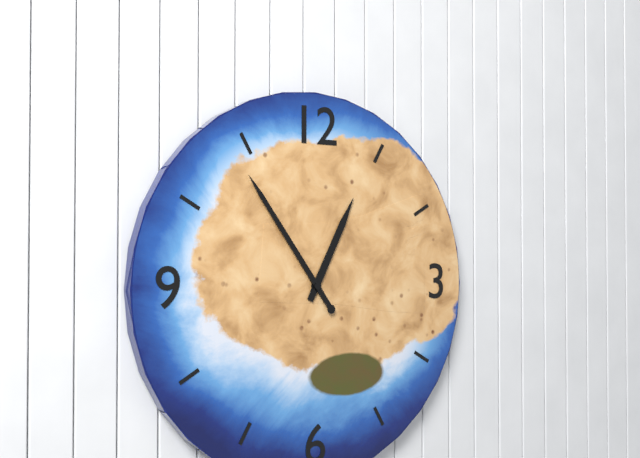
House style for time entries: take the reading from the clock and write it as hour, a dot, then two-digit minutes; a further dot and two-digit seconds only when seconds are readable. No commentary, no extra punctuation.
12.54
